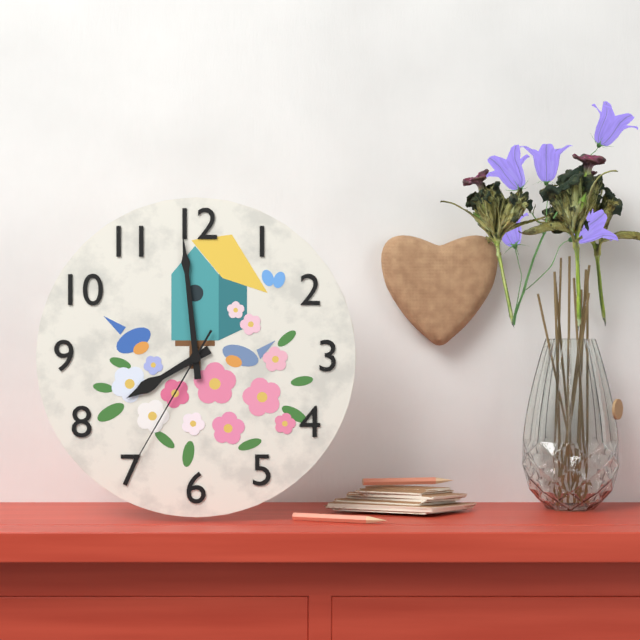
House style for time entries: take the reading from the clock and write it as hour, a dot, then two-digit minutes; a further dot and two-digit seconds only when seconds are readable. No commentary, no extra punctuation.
7.59.35
